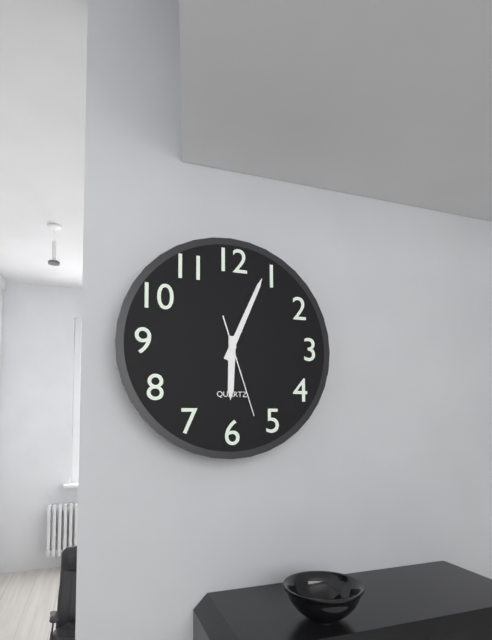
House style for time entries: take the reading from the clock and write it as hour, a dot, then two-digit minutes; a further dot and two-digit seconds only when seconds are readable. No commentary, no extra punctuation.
6.04.27
